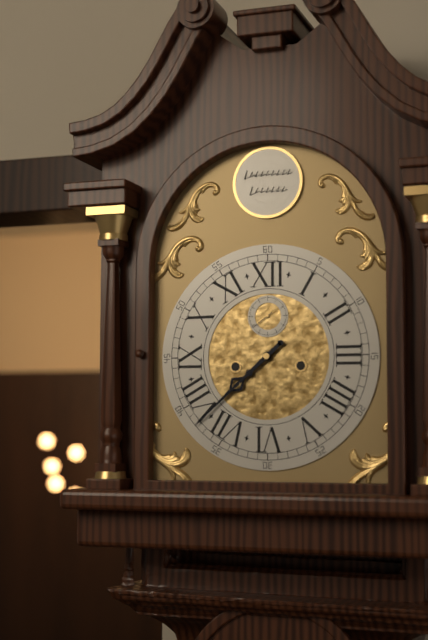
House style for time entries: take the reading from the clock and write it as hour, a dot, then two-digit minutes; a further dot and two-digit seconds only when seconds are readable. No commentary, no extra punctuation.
7.38.39
